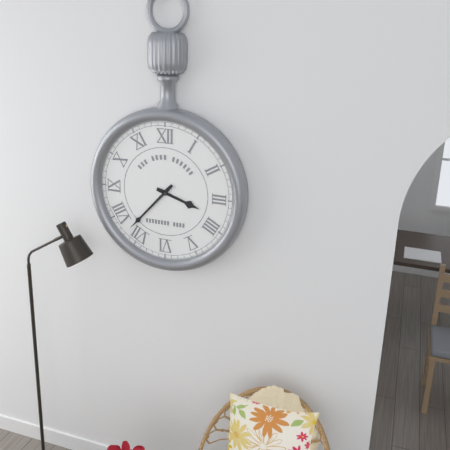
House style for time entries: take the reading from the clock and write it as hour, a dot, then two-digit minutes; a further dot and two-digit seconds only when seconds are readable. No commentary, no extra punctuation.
3.37
